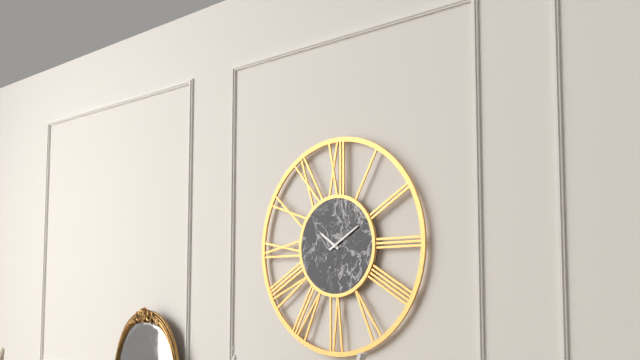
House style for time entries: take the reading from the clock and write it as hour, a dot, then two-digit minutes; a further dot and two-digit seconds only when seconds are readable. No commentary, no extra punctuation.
10.10
